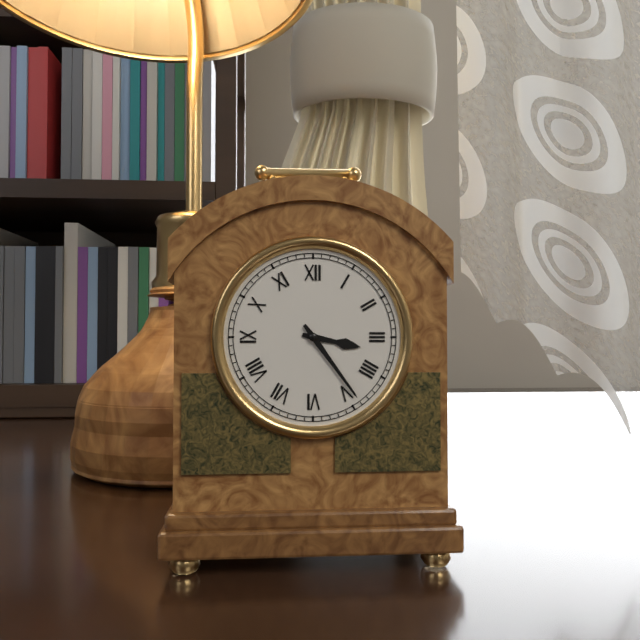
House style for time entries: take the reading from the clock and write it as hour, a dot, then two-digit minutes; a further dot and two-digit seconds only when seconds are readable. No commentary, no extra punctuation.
3.24
